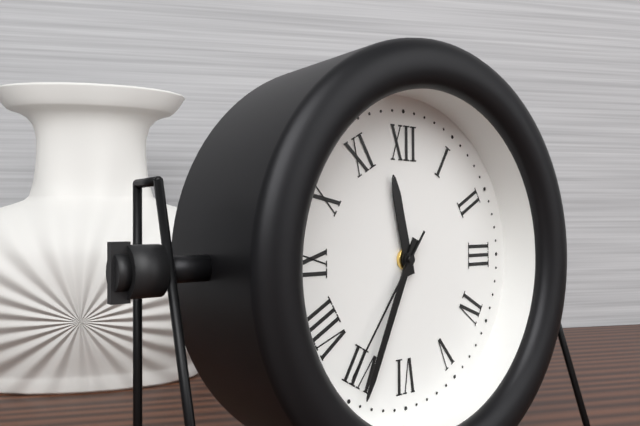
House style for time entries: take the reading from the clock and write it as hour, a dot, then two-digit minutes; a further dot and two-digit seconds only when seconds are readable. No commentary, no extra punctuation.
11.34.36
